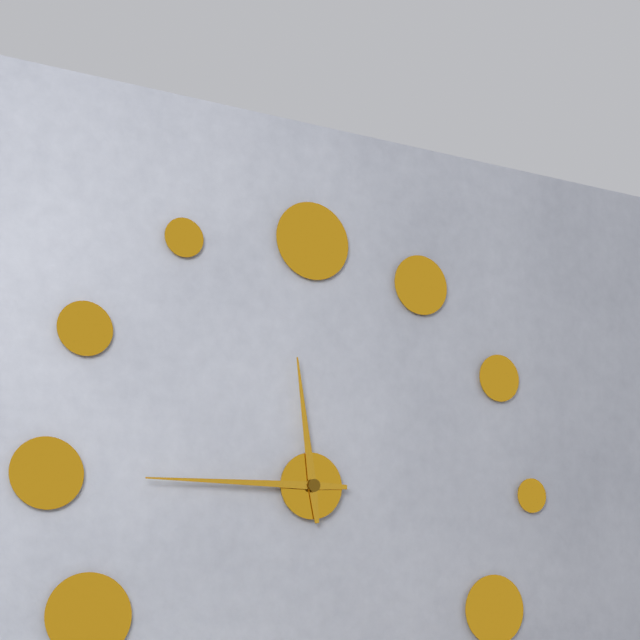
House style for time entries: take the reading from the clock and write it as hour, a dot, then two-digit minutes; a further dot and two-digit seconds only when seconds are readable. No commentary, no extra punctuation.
11.45
